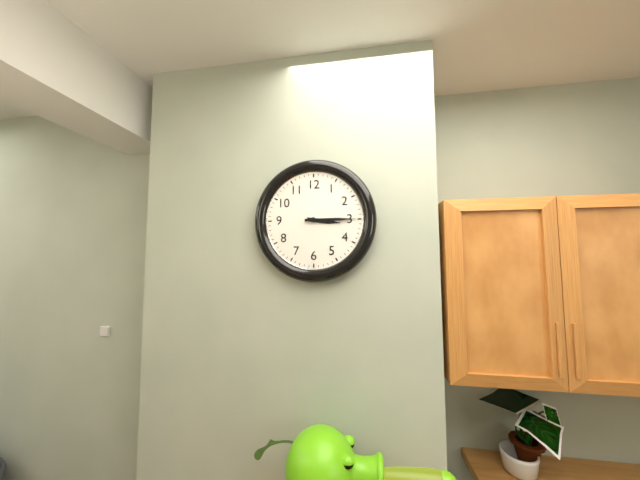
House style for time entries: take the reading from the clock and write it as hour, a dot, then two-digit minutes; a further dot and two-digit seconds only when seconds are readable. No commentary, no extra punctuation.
3.15
